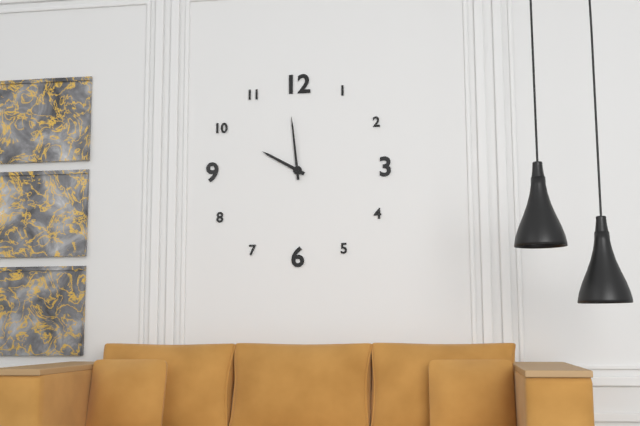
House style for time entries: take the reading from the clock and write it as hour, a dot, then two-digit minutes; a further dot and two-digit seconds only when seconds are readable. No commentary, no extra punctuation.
9.59
